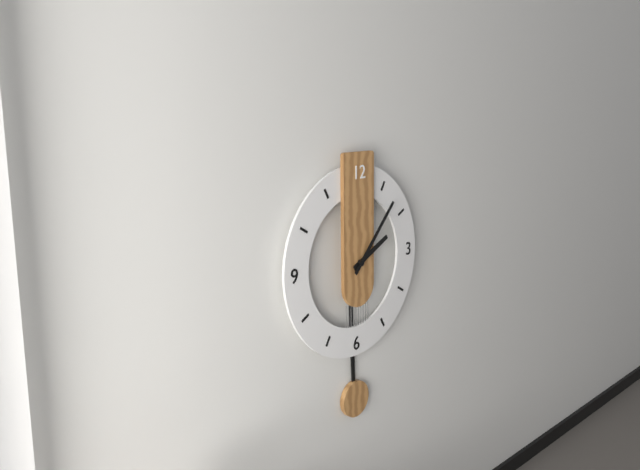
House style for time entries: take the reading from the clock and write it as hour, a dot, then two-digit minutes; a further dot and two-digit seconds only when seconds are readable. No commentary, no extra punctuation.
2.07
